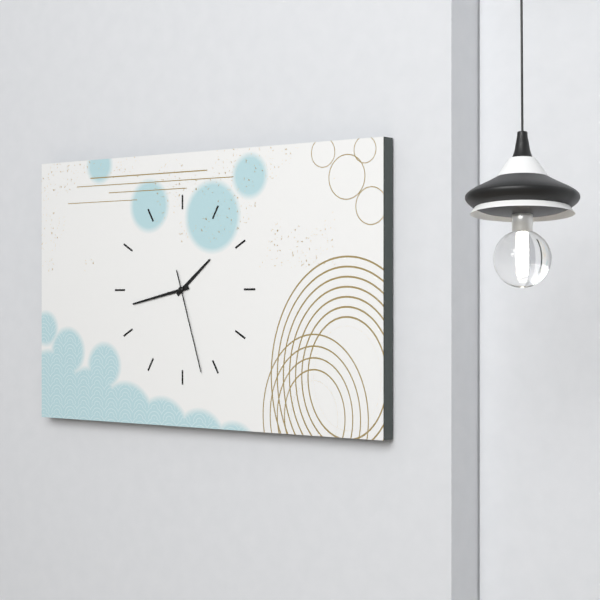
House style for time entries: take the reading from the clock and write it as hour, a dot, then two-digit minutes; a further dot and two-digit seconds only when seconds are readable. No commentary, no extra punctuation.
1.43.27
